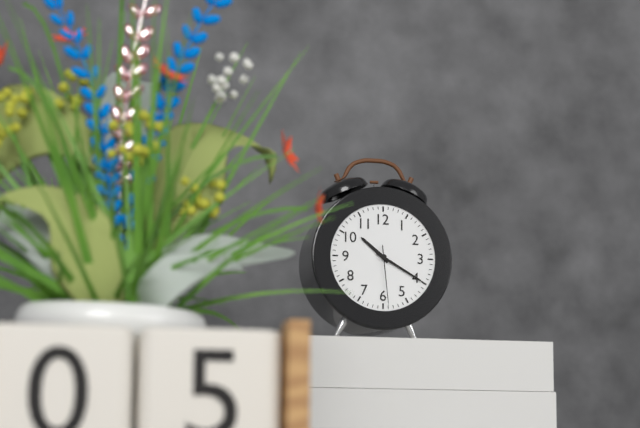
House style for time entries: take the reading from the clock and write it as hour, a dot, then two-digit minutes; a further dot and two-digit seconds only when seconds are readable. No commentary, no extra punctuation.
10.20.29
